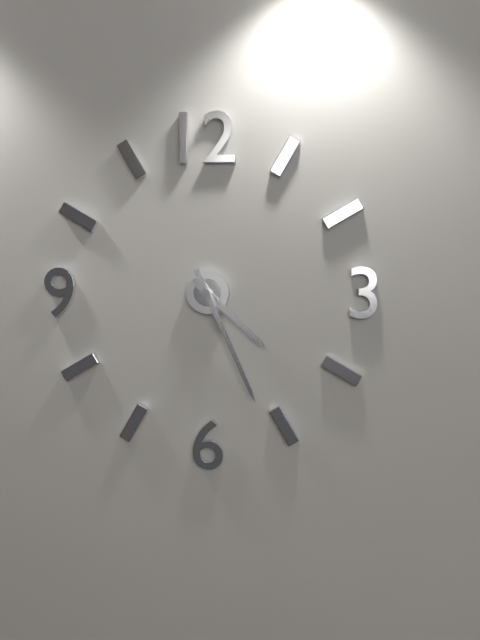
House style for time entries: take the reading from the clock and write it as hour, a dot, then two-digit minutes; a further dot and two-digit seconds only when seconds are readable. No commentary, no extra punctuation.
4.26
